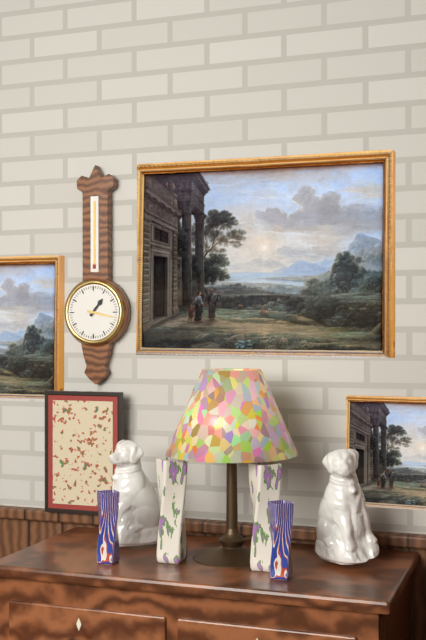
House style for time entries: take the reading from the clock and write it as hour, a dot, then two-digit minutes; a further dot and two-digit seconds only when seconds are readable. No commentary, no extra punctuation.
1.17
